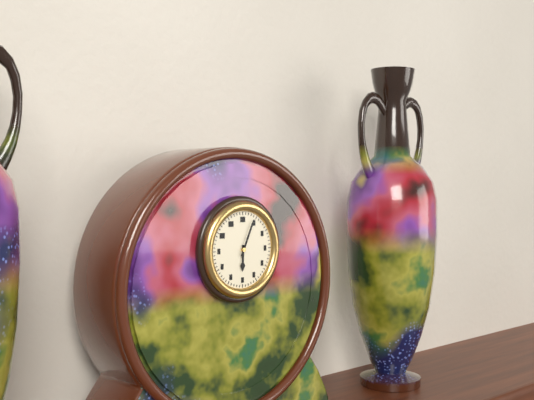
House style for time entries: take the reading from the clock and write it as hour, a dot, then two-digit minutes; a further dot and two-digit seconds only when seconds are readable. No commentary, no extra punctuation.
6.04
